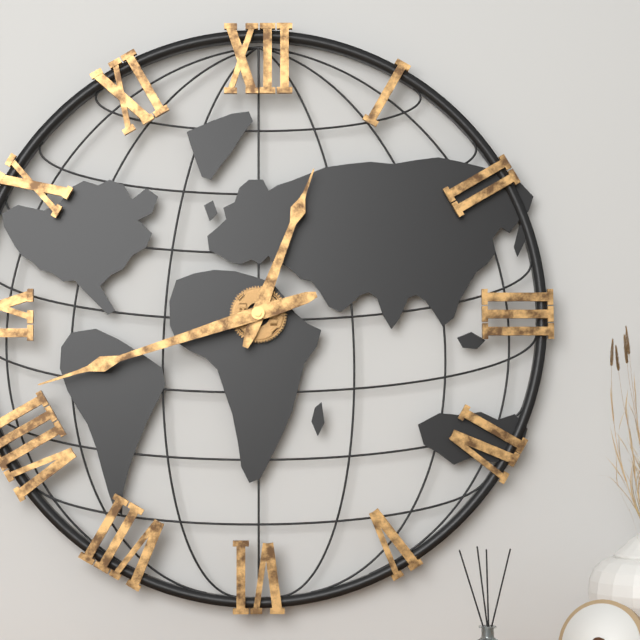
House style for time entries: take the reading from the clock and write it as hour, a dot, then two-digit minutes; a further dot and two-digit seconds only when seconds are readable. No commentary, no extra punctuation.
12.42
